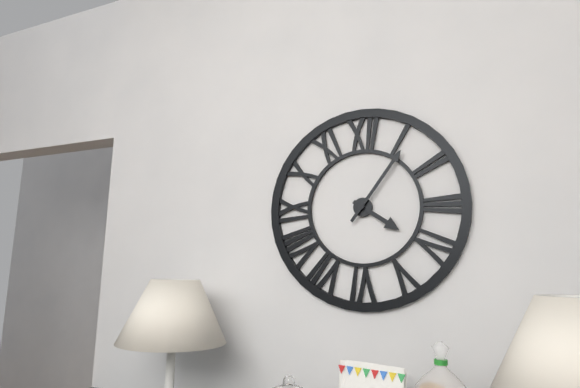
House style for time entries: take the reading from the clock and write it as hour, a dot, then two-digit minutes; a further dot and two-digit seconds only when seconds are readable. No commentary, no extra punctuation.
4.06
